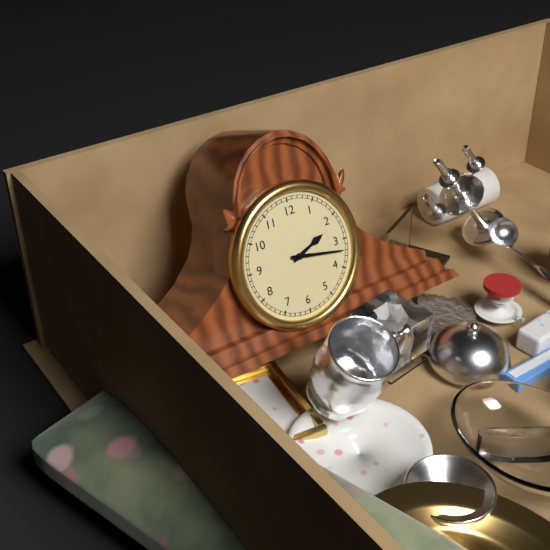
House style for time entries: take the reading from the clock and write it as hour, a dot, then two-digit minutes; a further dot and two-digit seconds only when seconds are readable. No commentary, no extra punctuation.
2.17
